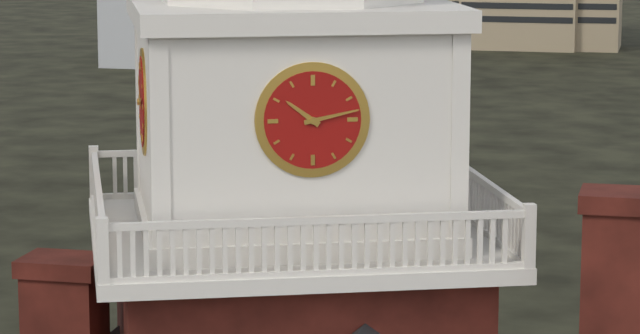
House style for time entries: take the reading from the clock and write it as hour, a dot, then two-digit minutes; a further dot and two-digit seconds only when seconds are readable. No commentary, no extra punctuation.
10.13
